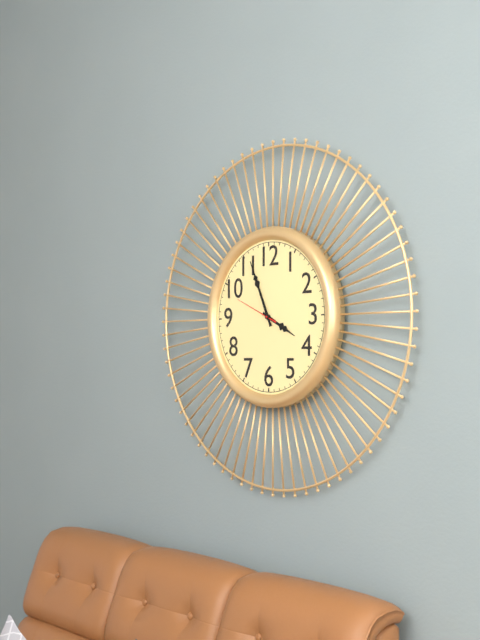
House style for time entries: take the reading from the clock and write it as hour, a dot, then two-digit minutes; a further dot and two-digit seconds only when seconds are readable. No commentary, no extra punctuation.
3.56.49
